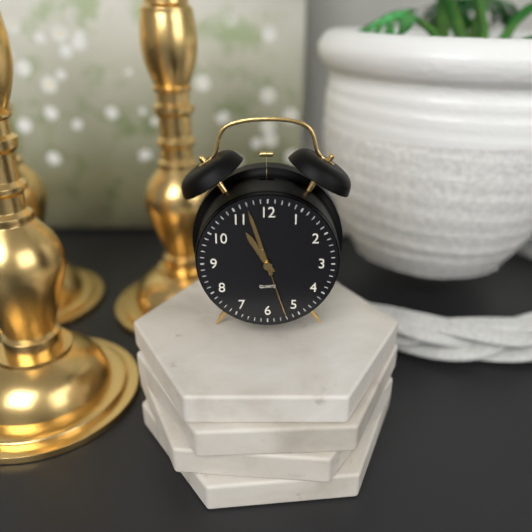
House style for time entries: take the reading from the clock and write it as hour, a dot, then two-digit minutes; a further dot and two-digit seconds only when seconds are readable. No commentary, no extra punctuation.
10.57.27
